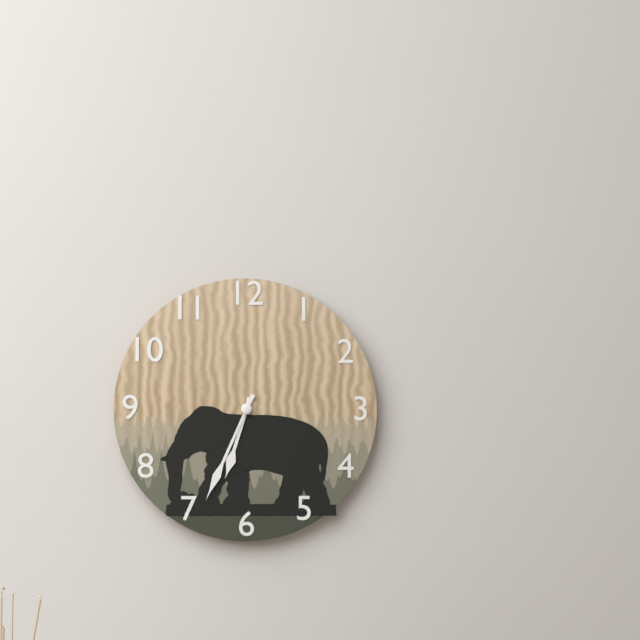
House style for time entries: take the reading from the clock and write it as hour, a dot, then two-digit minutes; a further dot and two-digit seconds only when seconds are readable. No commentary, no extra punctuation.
6.34
